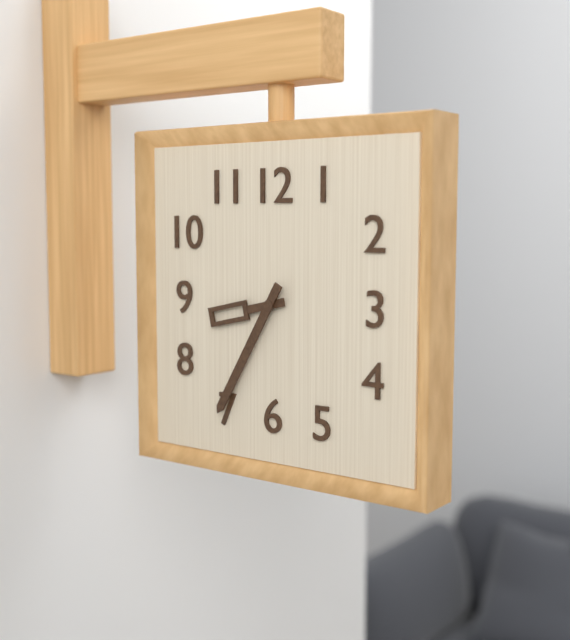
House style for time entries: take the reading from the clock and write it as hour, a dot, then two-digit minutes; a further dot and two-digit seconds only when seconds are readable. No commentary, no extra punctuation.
8.35
